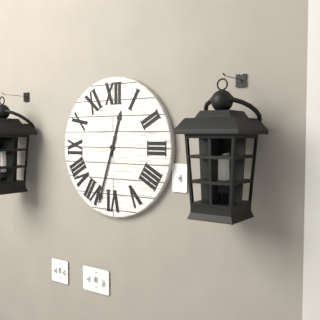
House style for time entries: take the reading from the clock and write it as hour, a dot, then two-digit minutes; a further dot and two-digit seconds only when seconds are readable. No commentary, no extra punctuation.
12.33
